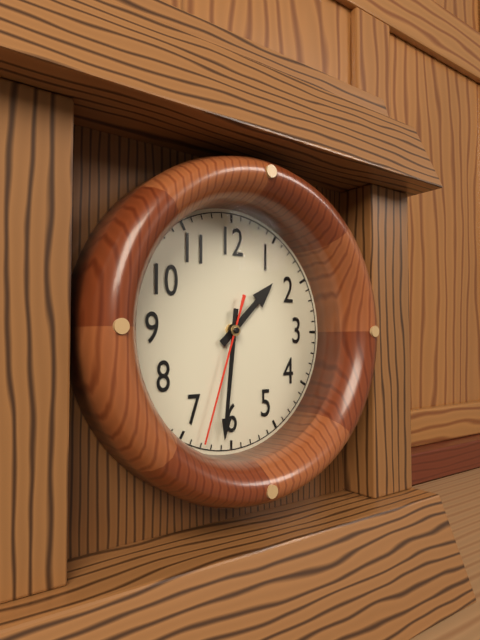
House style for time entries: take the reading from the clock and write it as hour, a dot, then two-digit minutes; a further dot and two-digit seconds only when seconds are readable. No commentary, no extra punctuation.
1.31.33
